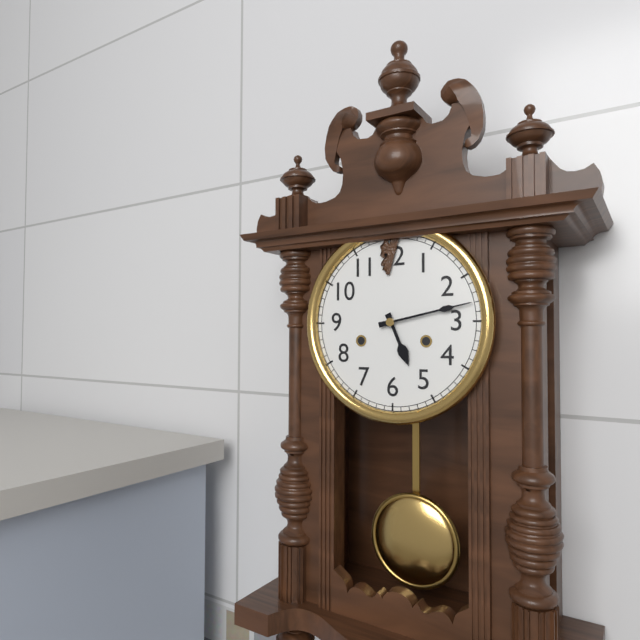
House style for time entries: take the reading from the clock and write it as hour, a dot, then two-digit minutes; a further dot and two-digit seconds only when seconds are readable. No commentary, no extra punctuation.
5.13
